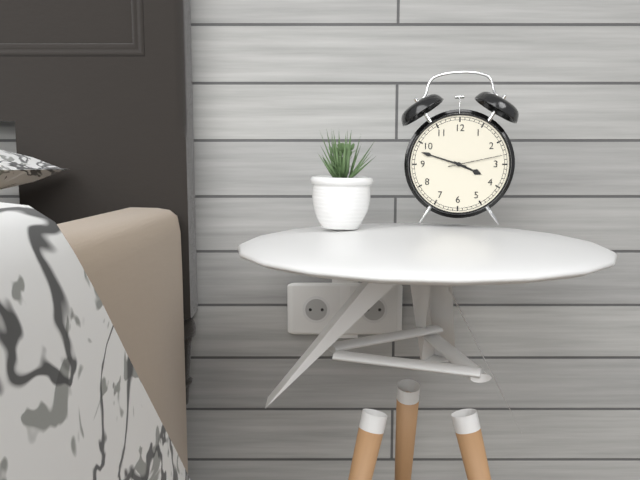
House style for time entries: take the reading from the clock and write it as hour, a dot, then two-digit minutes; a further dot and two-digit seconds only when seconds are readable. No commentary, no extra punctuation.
3.48.13
